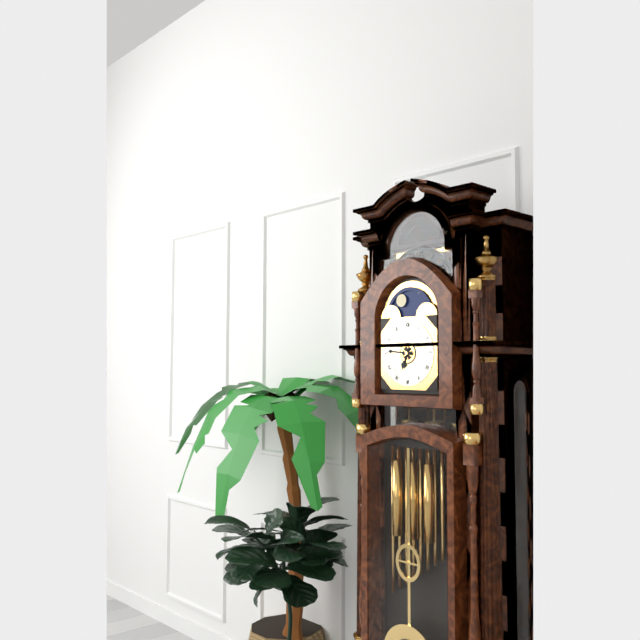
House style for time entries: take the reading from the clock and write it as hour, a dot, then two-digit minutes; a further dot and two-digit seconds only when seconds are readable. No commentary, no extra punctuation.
6.46
